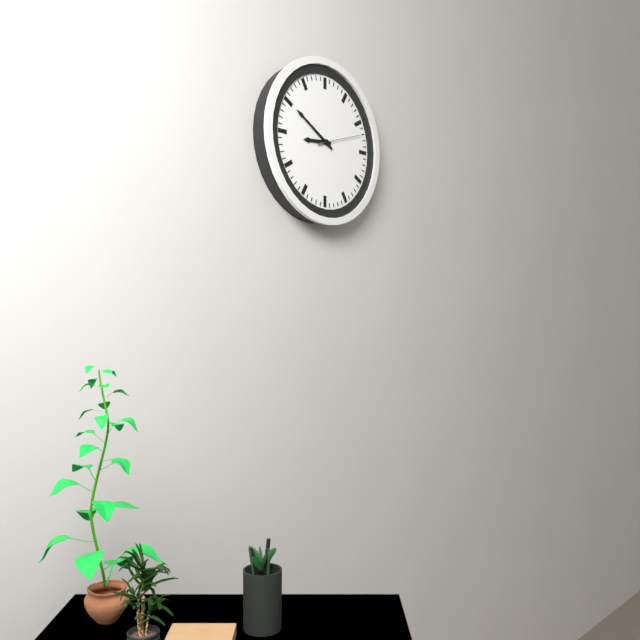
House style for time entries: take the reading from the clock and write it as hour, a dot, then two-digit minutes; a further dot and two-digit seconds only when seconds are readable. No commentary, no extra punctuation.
8.50
